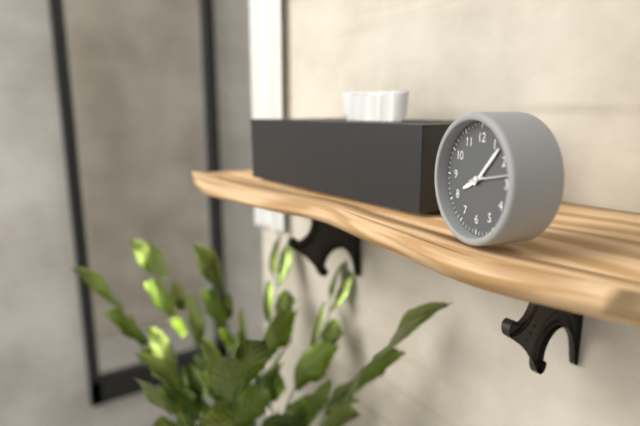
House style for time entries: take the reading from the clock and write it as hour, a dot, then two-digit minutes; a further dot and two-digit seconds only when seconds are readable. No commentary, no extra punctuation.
8.07
